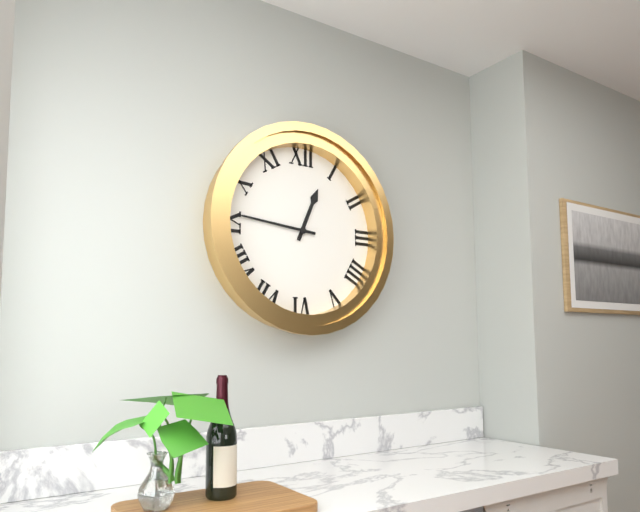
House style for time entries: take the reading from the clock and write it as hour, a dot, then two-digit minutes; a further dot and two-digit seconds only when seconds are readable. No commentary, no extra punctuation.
12.46
